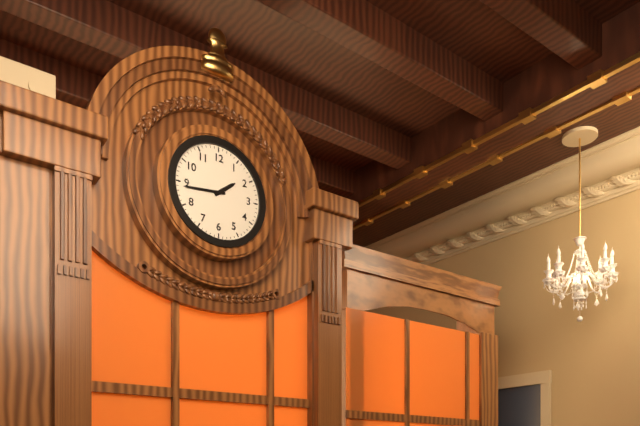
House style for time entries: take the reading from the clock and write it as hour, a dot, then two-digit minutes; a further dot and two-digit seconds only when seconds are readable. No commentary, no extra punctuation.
1.44
